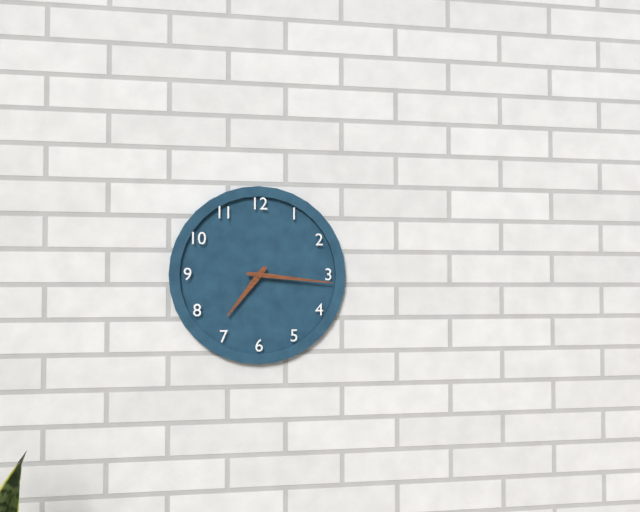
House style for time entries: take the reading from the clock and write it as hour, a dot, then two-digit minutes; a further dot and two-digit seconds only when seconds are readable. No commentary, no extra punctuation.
7.16
